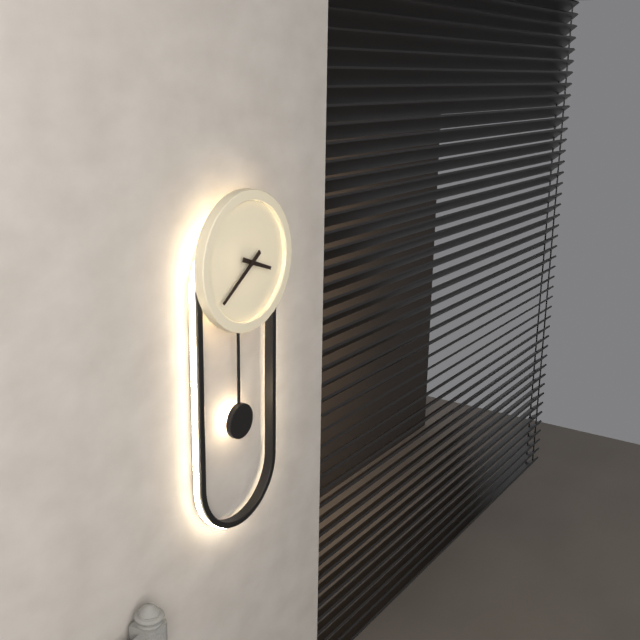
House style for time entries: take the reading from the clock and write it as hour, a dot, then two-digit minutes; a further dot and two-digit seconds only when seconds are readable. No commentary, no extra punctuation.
3.39
